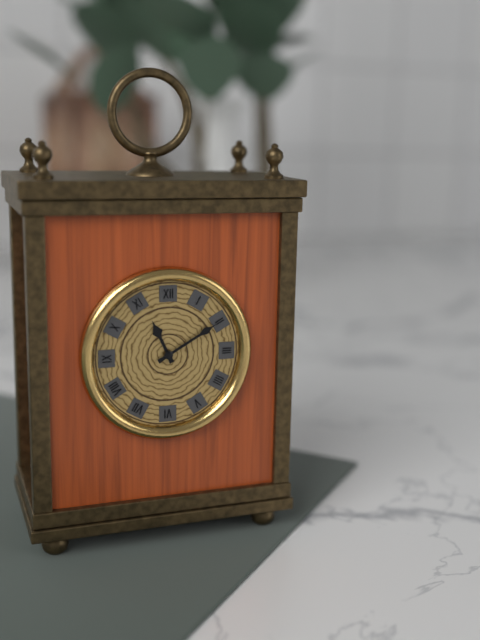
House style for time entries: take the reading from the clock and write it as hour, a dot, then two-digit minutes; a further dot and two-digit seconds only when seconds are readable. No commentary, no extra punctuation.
11.10
